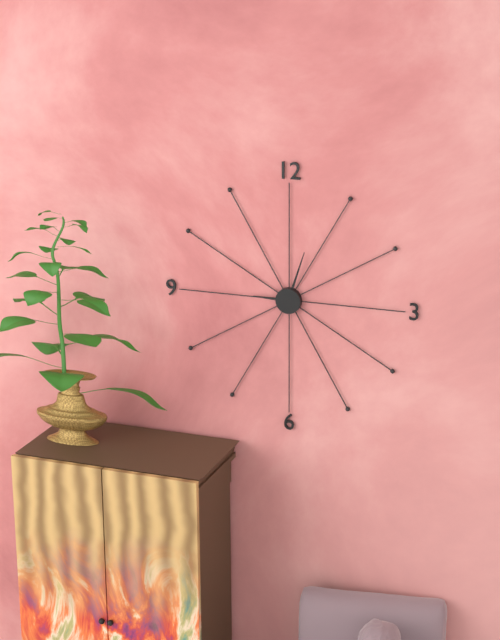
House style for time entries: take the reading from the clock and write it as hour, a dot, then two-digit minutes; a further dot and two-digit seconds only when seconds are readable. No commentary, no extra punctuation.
9.03
